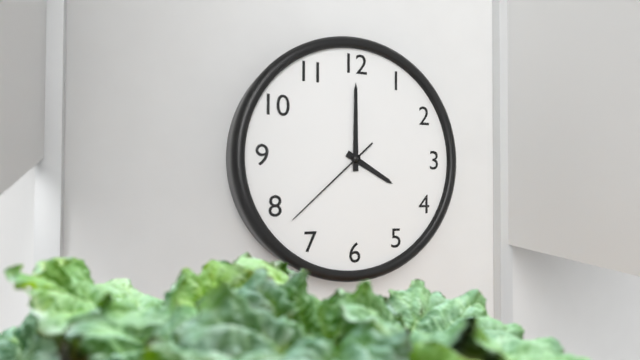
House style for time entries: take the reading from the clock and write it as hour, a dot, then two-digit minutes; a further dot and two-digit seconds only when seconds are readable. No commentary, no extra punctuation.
4.00.38
